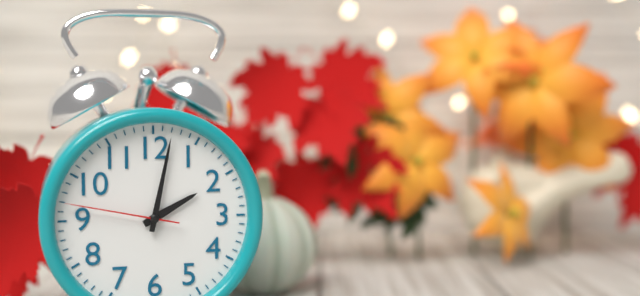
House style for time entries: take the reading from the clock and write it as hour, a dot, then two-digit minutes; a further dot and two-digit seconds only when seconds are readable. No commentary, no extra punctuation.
2.02.47
